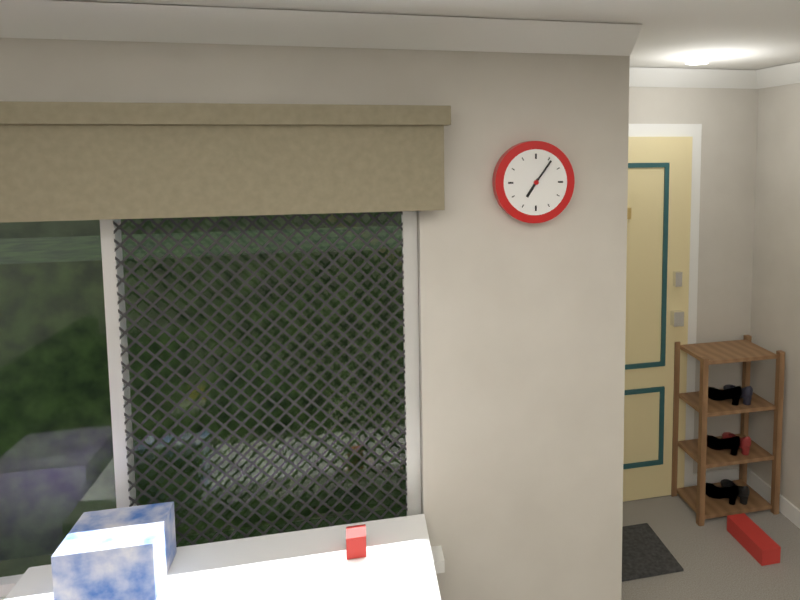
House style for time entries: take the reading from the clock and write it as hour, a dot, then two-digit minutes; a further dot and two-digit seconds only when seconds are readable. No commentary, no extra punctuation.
7.06
